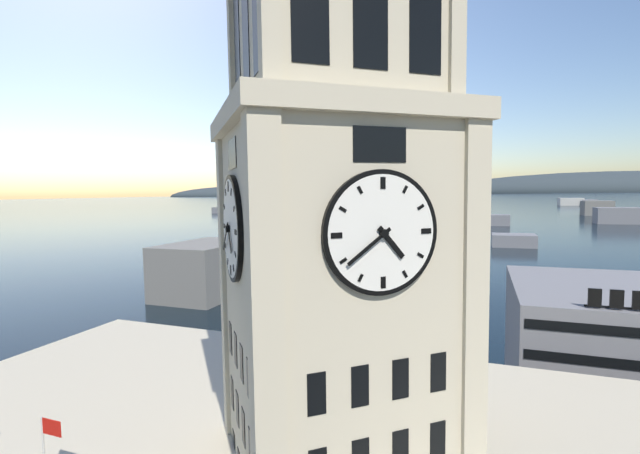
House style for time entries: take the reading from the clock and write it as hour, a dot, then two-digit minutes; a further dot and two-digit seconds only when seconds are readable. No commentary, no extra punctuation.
4.39
